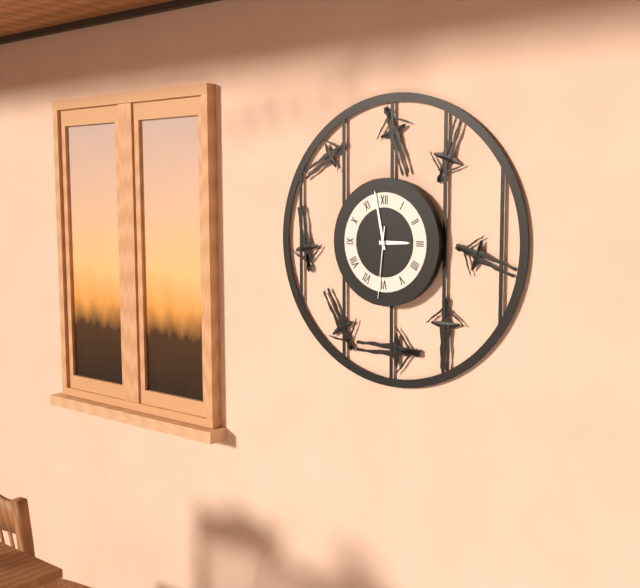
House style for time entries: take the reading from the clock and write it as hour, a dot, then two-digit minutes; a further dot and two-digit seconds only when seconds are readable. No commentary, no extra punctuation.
2.58.31
